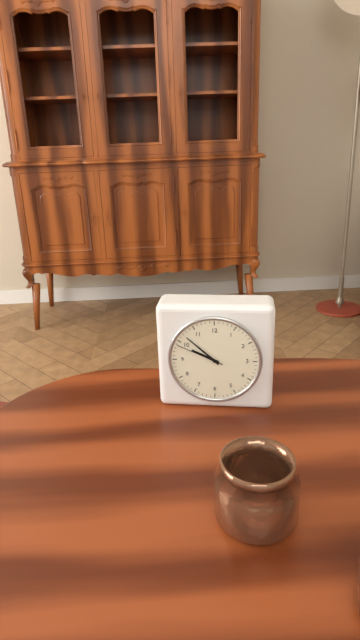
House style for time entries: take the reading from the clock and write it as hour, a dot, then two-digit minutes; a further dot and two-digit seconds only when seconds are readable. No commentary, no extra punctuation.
9.52.49
